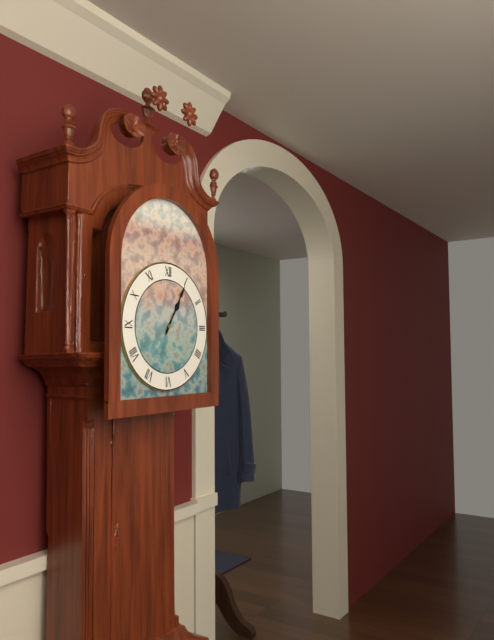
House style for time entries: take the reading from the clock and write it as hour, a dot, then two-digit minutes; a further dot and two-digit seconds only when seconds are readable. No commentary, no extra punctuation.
1.05
